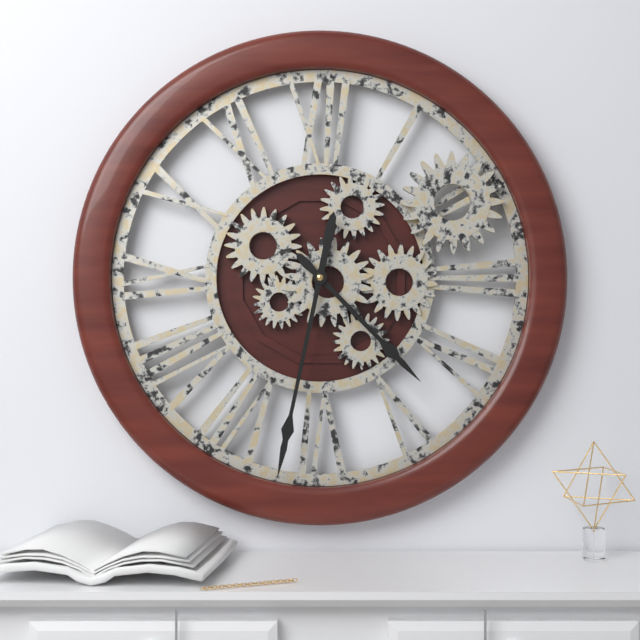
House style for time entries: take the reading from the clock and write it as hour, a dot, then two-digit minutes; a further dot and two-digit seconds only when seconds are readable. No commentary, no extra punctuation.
4.32
